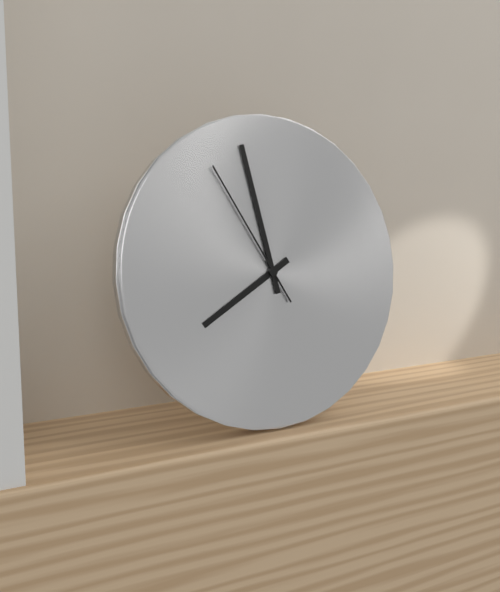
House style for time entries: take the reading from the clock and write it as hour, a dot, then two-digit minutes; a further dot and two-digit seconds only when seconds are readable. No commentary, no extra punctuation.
7.58.55
